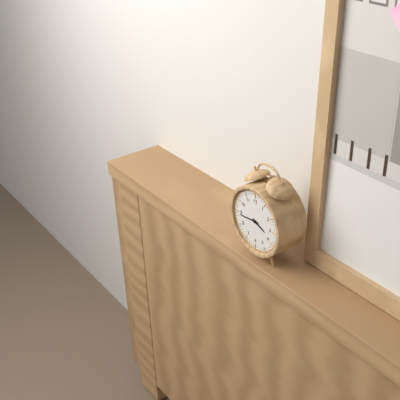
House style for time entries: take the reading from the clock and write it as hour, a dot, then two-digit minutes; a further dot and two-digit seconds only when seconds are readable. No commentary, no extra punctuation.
3.44
